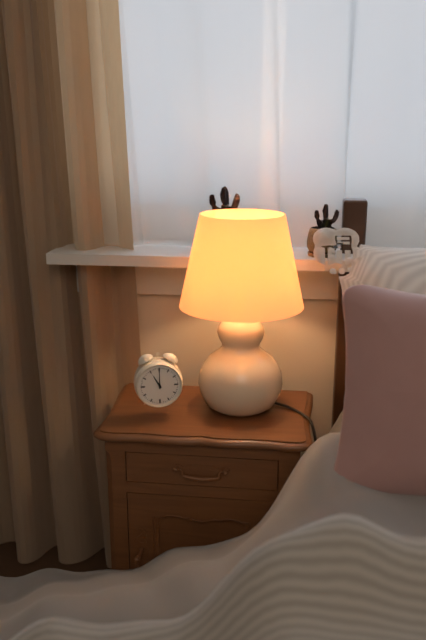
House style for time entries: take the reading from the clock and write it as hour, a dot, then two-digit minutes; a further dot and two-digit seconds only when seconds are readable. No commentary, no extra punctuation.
11.00
